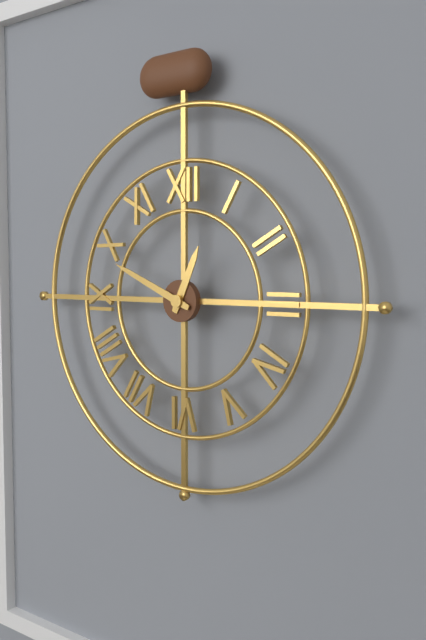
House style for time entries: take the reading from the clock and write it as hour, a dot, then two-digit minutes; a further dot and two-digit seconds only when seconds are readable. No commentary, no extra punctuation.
12.49
